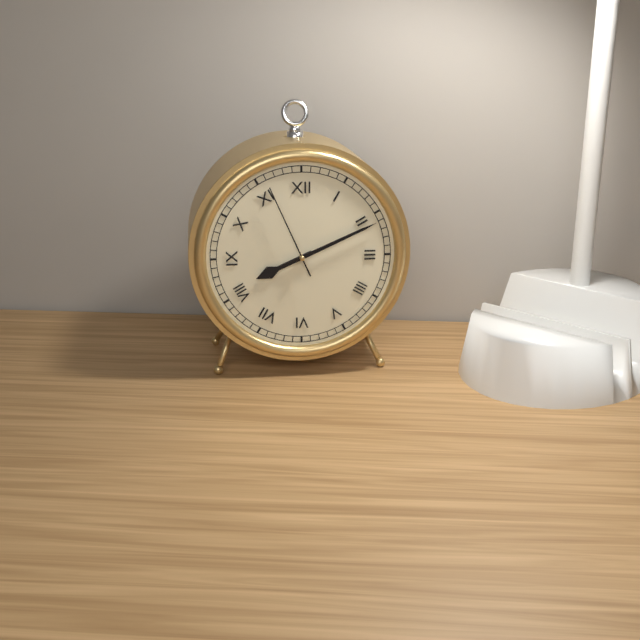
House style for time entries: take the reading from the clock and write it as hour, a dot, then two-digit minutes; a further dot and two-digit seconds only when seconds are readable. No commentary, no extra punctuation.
8.11.56
